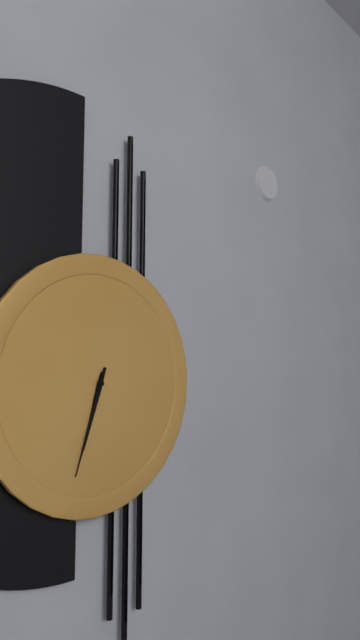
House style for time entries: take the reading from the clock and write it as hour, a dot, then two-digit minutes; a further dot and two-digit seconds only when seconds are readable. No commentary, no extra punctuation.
6.33
